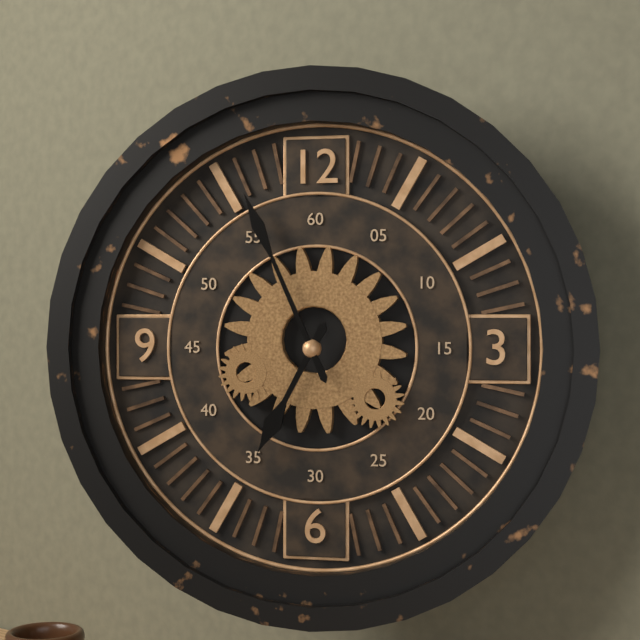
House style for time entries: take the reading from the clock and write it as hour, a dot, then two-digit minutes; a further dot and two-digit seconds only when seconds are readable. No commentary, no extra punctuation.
6.56
